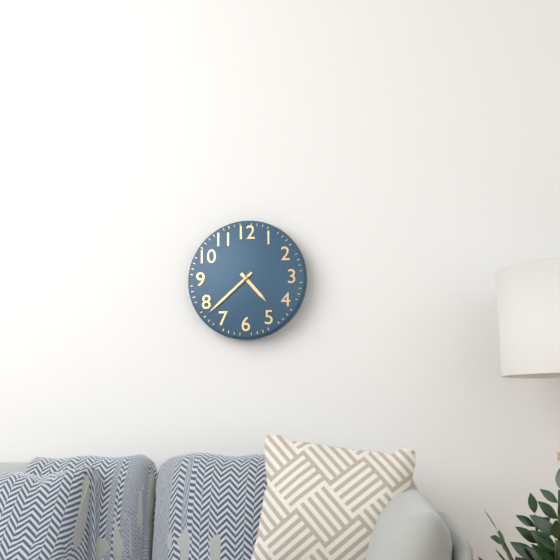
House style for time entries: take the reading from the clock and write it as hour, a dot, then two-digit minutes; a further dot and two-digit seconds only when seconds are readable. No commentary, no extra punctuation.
4.38
